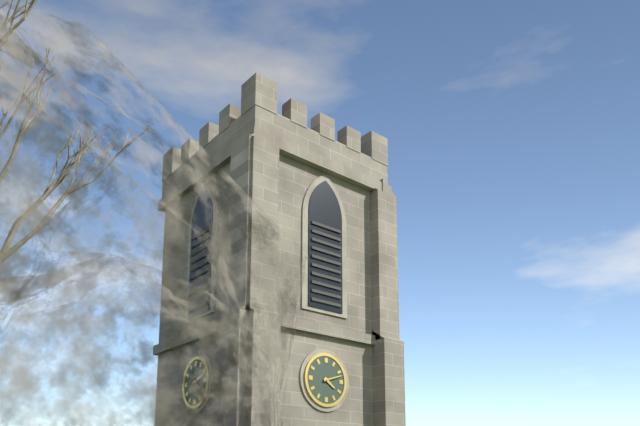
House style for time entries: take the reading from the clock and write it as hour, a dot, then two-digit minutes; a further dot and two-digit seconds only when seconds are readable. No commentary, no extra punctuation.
4.12
